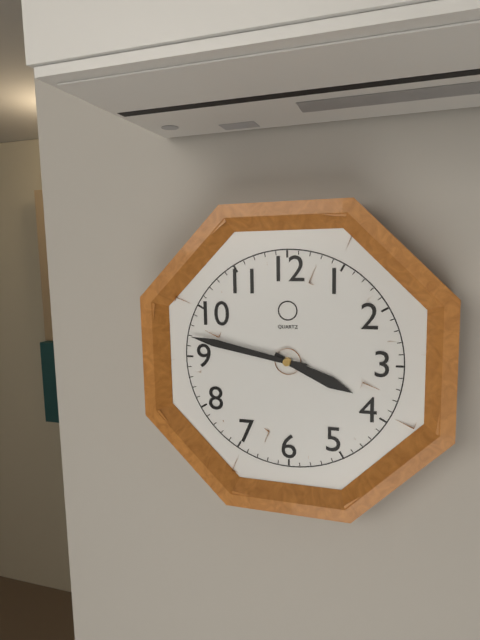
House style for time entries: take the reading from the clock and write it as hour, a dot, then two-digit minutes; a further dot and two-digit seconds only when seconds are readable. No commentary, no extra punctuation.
3.47
